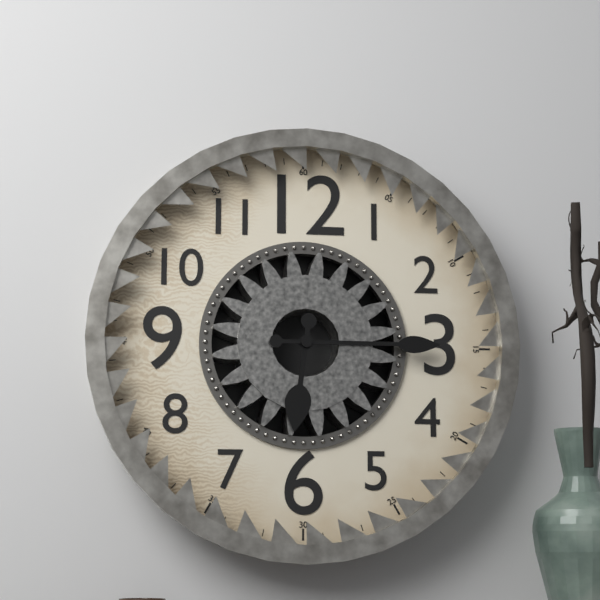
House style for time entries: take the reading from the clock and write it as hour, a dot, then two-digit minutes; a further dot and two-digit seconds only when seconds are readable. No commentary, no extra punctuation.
6.15
